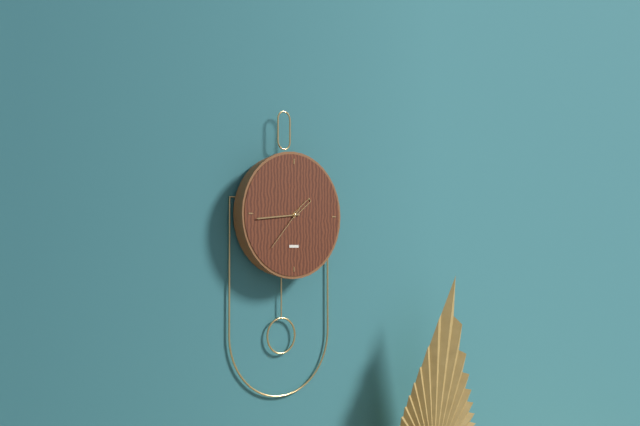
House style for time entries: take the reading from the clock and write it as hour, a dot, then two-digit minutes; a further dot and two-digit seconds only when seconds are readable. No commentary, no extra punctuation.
1.44
